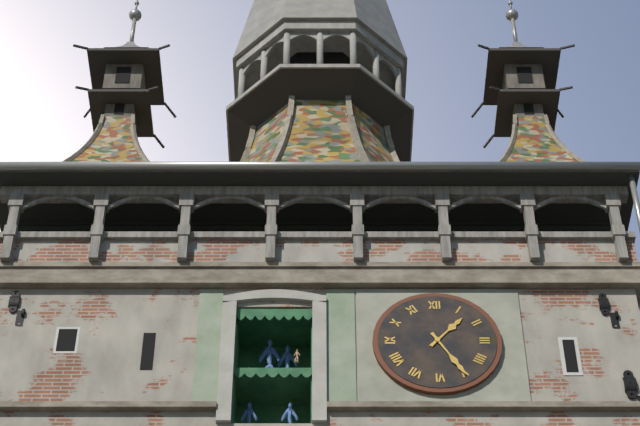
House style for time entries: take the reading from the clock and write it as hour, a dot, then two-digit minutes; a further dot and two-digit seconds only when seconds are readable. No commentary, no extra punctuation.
1.25
